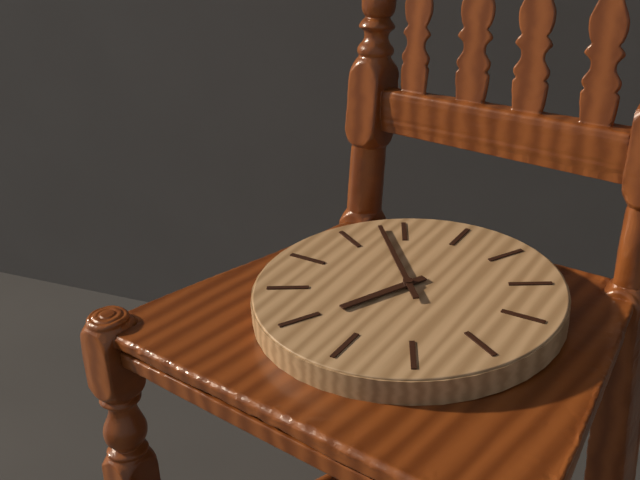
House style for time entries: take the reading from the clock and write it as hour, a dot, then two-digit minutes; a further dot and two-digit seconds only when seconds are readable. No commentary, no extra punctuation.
6.53
